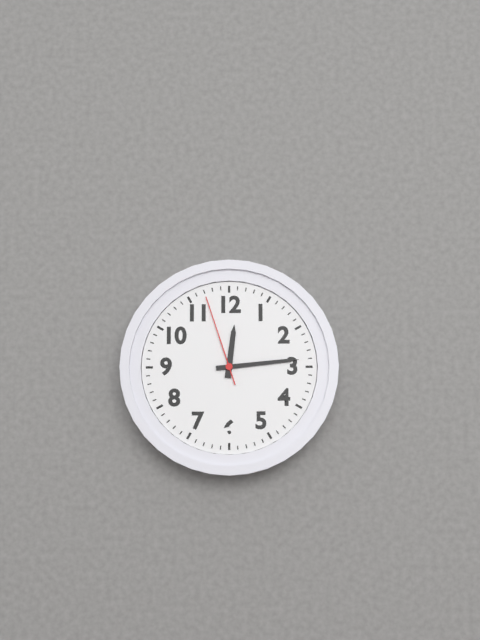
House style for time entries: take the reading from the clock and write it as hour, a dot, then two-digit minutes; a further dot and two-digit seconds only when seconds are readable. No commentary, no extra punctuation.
12.14.57
